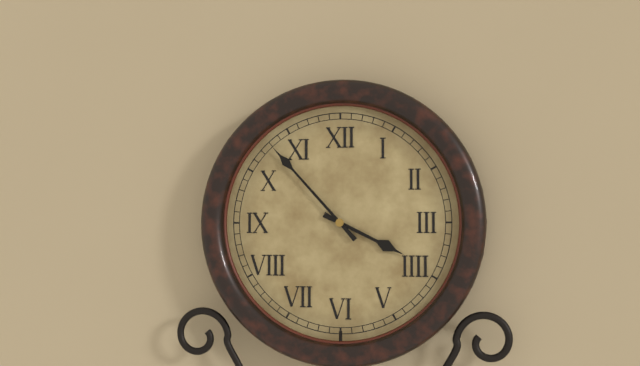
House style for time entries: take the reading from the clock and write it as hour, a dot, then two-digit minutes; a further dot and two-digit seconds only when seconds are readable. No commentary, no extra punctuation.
3.53
